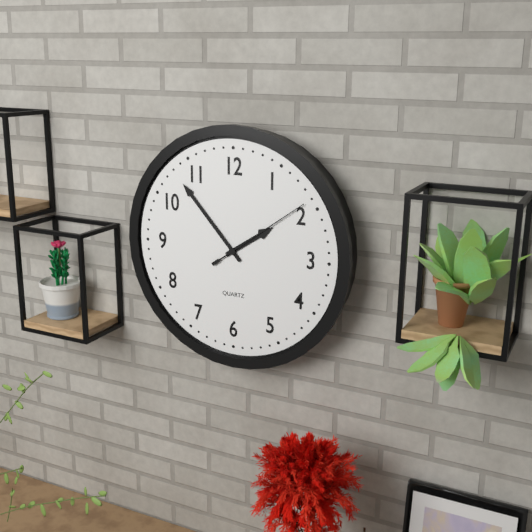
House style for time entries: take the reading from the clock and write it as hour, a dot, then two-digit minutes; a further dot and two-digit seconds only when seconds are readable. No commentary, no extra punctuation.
1.53.09
